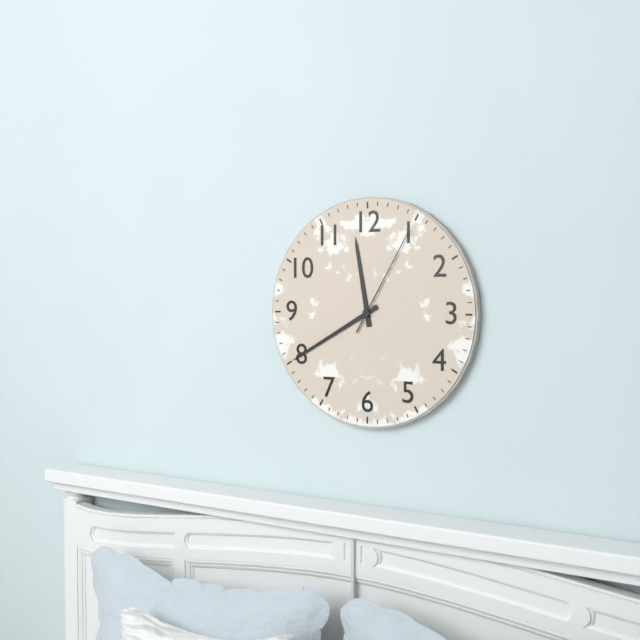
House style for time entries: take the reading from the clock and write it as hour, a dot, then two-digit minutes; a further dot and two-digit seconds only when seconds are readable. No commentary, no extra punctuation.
11.40.05
